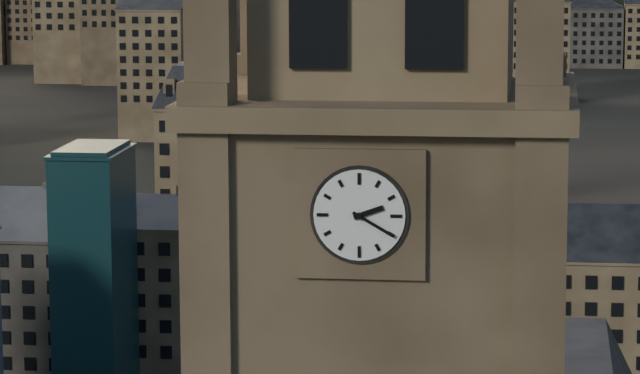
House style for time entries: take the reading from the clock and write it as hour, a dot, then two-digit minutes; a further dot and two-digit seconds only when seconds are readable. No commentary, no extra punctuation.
2.20
